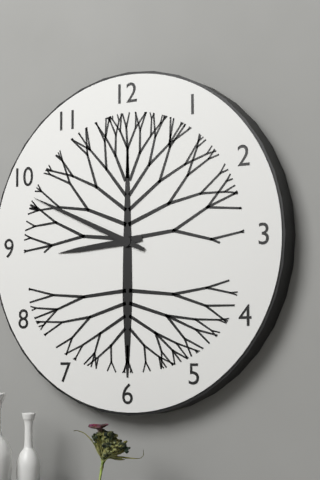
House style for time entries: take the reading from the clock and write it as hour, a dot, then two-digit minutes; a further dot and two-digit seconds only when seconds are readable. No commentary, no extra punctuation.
8.49
